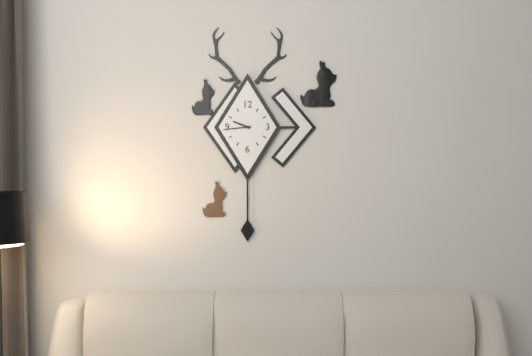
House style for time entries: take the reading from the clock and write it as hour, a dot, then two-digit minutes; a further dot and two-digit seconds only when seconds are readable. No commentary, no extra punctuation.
9.44
